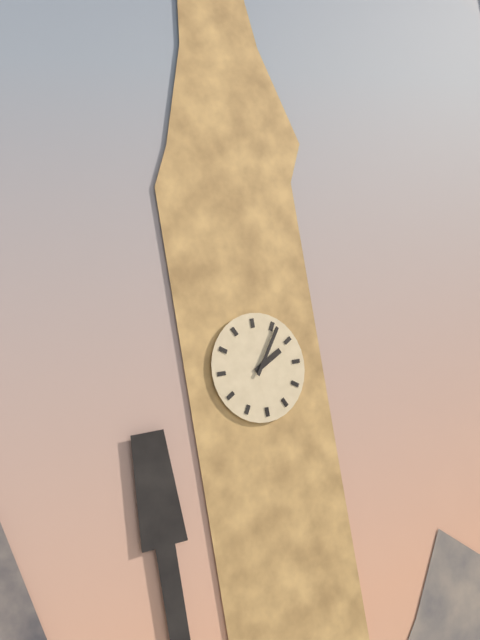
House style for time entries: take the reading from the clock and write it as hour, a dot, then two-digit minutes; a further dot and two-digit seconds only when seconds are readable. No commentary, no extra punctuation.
2.06
